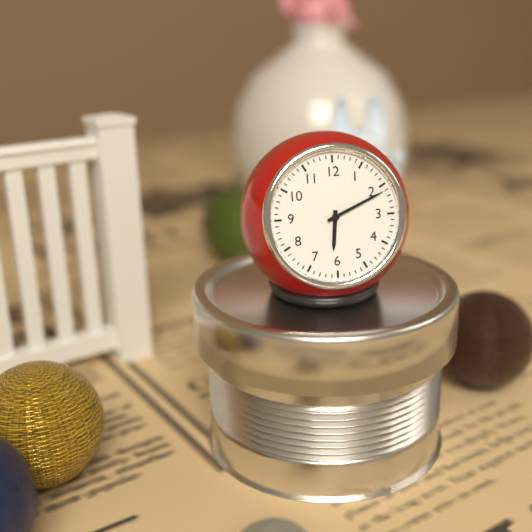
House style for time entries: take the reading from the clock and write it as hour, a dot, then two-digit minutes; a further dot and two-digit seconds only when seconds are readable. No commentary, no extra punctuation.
6.11
